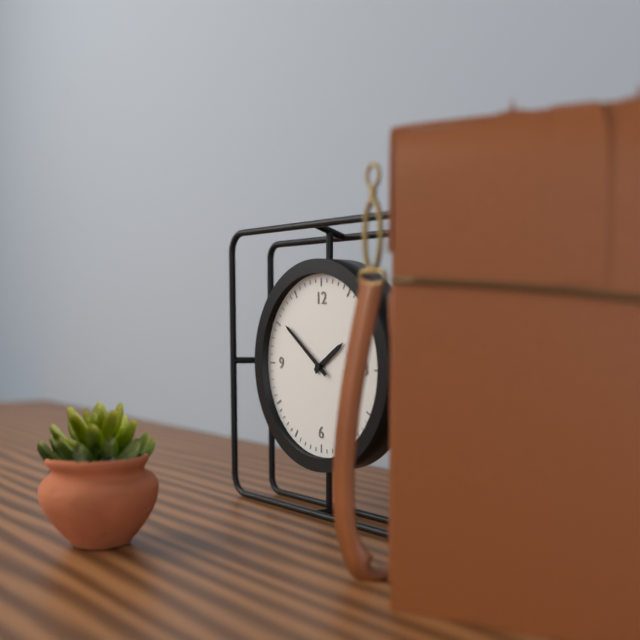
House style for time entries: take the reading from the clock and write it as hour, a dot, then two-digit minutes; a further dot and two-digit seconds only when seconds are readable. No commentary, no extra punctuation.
1.51
